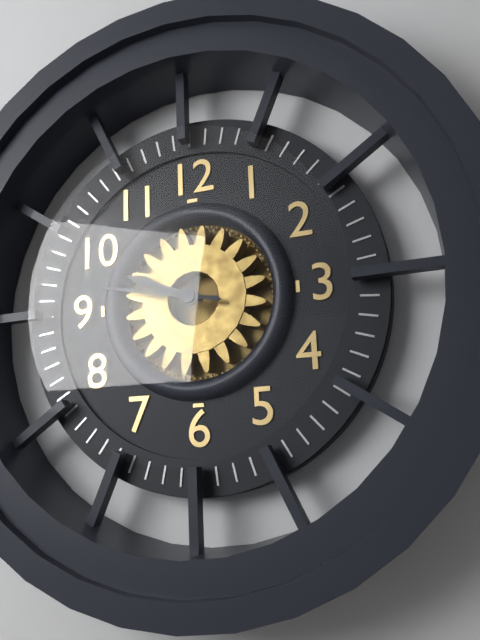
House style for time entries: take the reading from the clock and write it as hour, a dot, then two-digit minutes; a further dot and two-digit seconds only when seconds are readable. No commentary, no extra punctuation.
9.47
